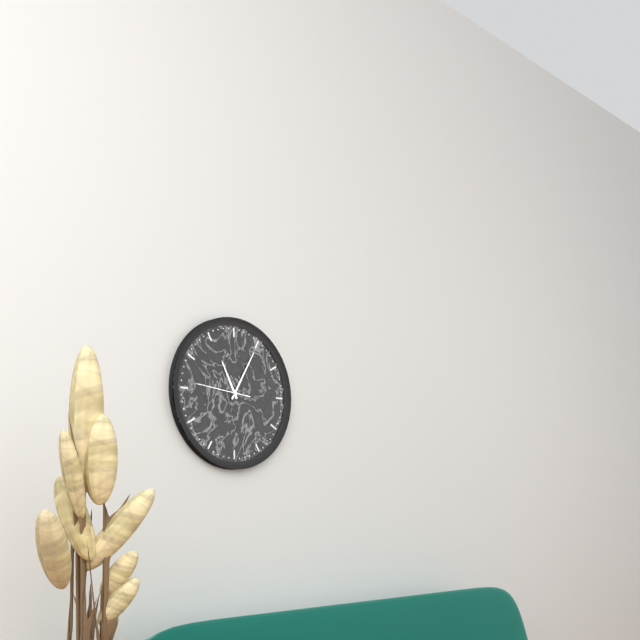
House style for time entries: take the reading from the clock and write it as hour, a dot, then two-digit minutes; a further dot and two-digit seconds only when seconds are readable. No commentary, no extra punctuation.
11.05.46
